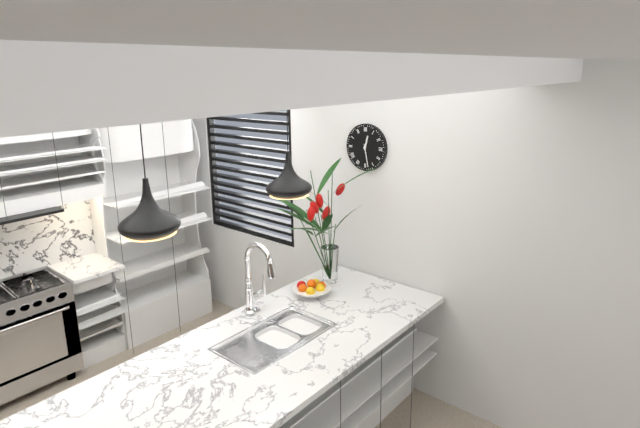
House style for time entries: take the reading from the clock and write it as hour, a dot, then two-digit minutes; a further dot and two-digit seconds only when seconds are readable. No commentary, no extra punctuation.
12.28
